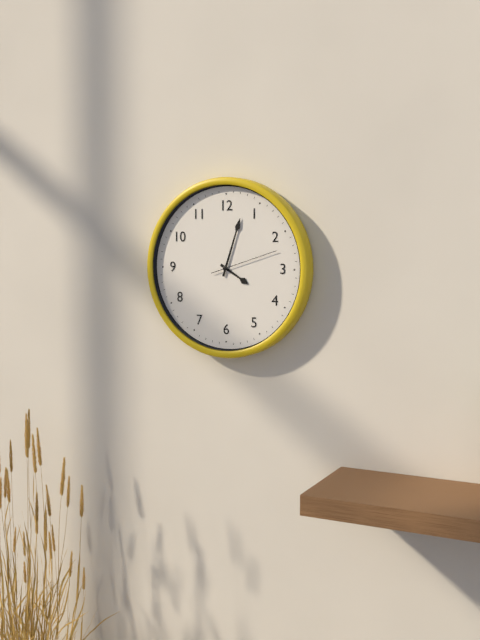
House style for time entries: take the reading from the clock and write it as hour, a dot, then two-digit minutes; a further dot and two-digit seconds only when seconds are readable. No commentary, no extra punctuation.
4.03.12
